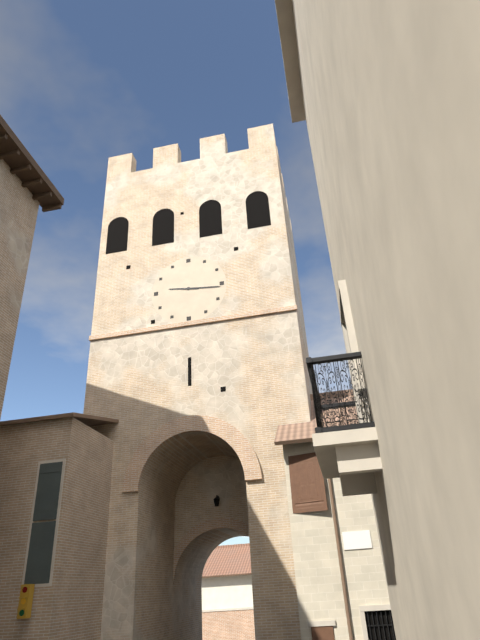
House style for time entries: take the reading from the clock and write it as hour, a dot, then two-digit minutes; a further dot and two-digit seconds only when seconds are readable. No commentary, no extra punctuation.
9.16
